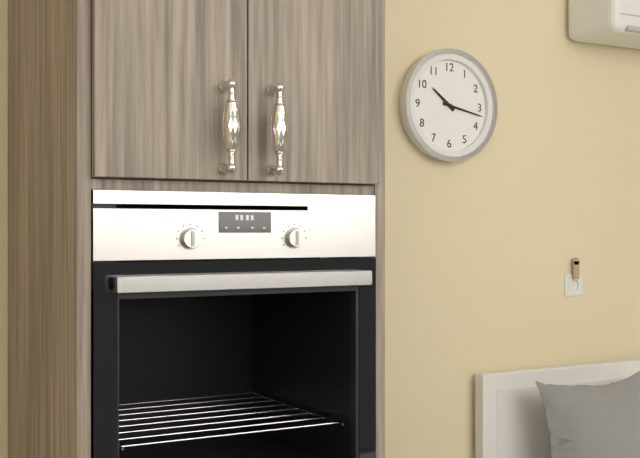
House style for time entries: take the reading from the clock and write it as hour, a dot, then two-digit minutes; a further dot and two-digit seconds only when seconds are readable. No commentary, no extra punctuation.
10.17
